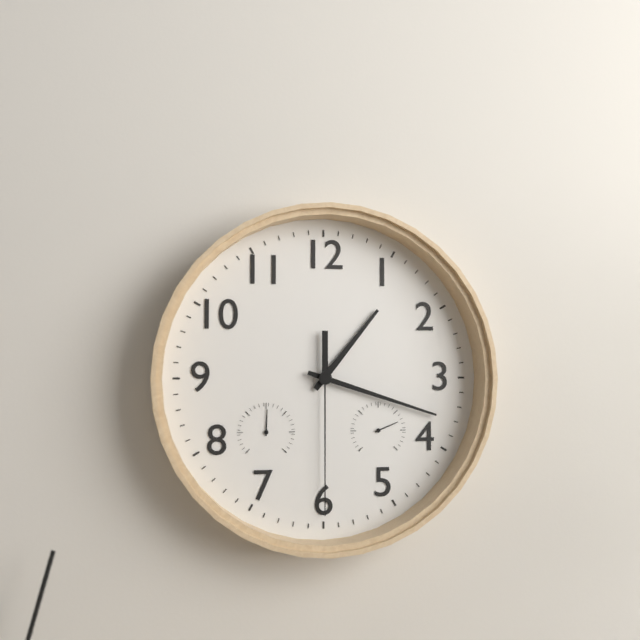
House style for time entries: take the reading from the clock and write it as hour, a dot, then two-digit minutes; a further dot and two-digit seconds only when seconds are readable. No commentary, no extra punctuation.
1.18.30
